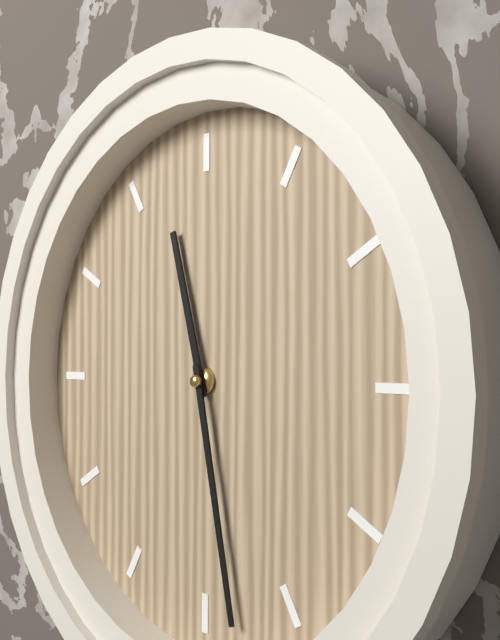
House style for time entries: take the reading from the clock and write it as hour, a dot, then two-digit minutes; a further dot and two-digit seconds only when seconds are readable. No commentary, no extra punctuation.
11.28
